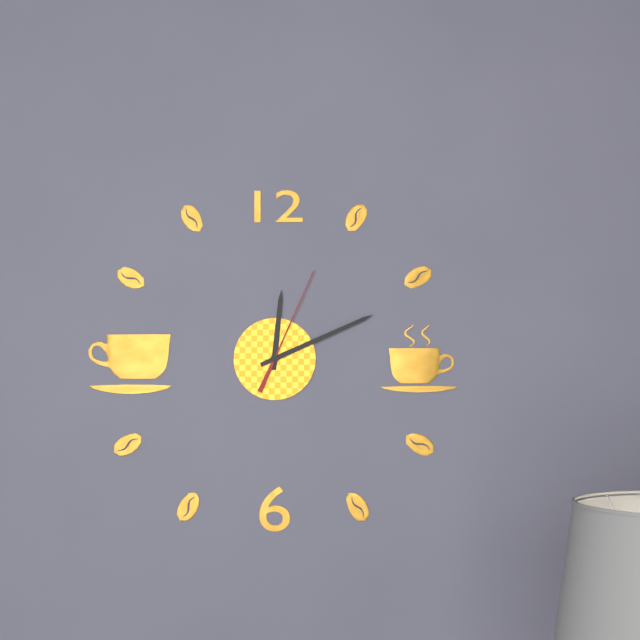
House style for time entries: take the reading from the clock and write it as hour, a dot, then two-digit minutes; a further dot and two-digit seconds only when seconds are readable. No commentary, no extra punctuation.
12.11.04
